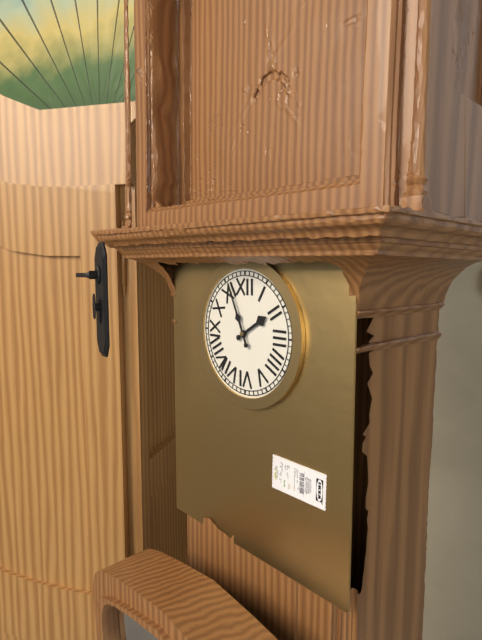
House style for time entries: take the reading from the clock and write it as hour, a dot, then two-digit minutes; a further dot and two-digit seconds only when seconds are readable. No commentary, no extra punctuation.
1.56
